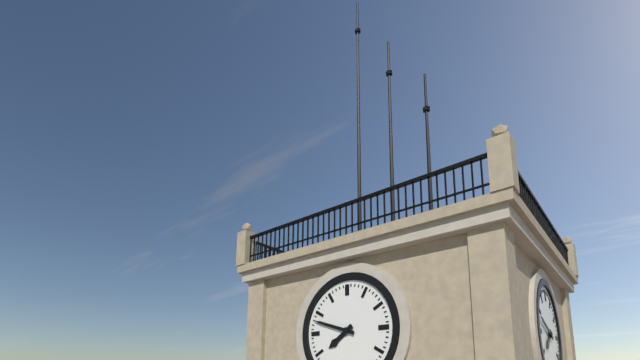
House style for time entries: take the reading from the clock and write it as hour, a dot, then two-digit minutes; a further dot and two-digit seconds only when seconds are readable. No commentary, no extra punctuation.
7.48
